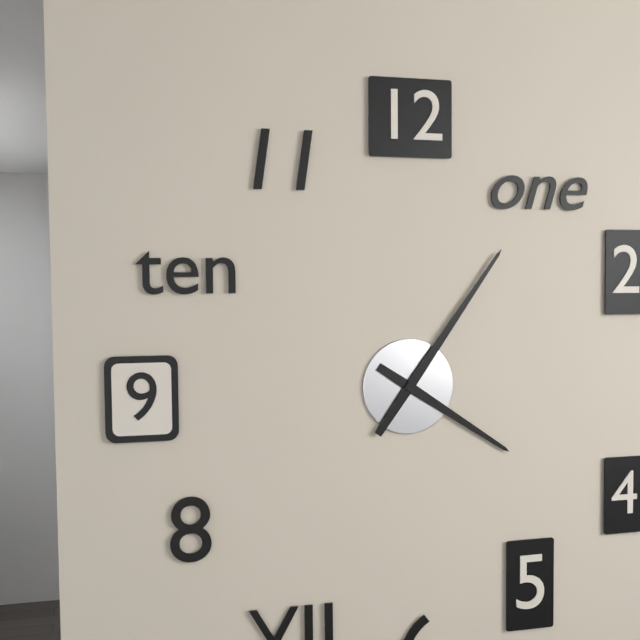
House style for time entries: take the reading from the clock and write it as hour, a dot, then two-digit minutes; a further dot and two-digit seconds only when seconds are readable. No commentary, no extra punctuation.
4.06
